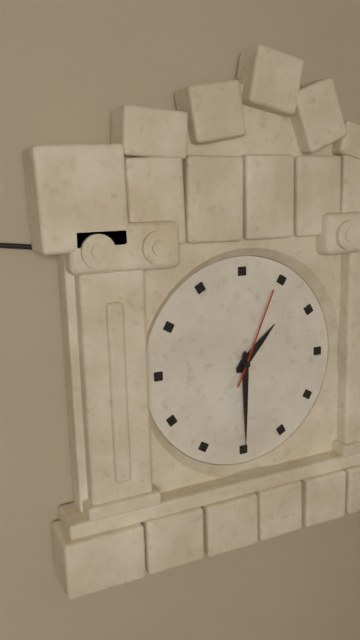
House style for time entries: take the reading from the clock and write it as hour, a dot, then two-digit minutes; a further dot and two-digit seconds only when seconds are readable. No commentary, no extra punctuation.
1.30.04
